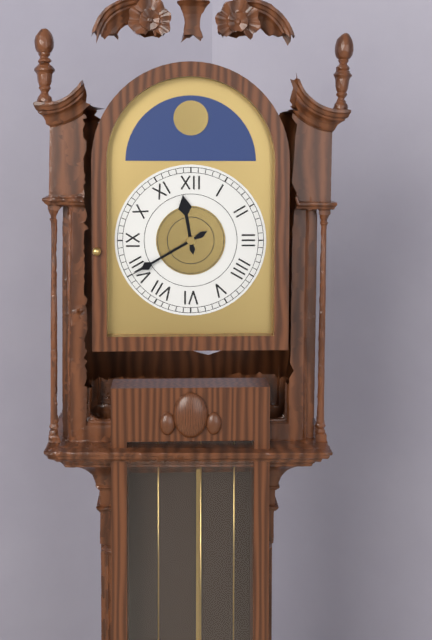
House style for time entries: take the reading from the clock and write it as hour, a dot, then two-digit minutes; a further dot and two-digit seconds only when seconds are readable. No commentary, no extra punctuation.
11.40
